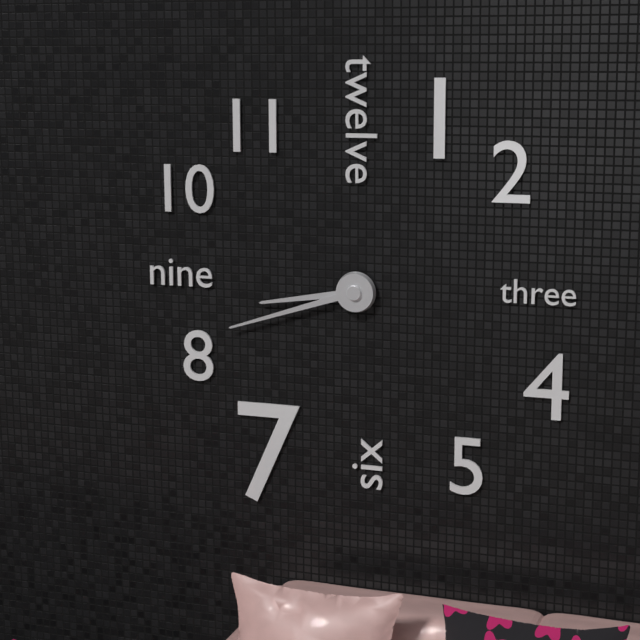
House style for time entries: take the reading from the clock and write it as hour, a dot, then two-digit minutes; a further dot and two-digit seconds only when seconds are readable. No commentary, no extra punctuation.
8.42
